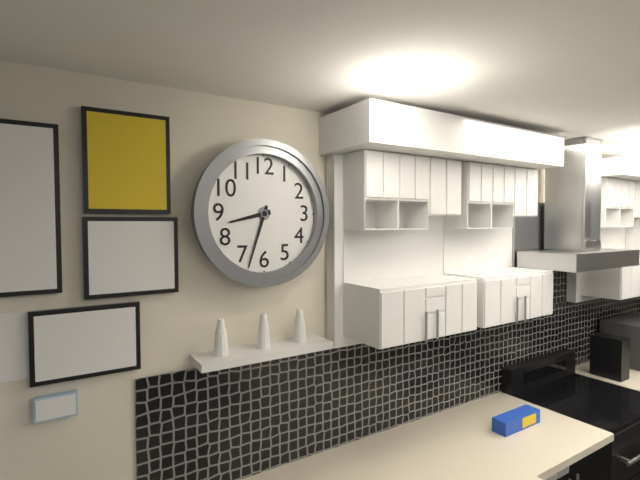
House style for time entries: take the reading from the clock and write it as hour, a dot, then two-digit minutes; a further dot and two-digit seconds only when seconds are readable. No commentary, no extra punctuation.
8.33
